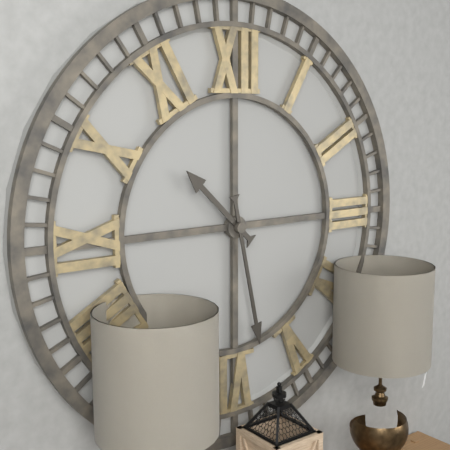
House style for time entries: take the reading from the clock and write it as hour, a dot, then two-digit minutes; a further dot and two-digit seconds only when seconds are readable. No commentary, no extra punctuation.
10.28
